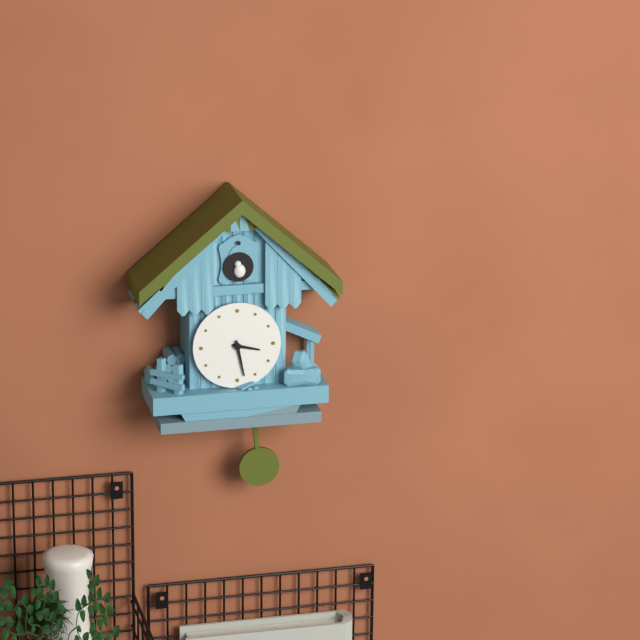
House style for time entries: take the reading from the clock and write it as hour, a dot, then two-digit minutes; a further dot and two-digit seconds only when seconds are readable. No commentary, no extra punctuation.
3.28
